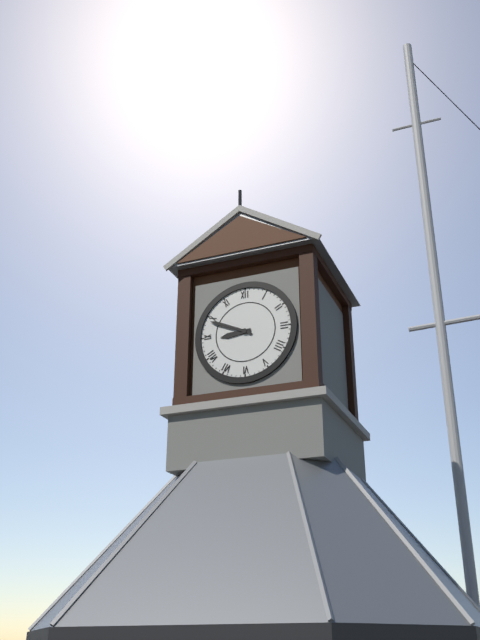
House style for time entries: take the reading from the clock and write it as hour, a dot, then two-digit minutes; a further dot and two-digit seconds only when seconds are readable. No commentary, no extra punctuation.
8.49
